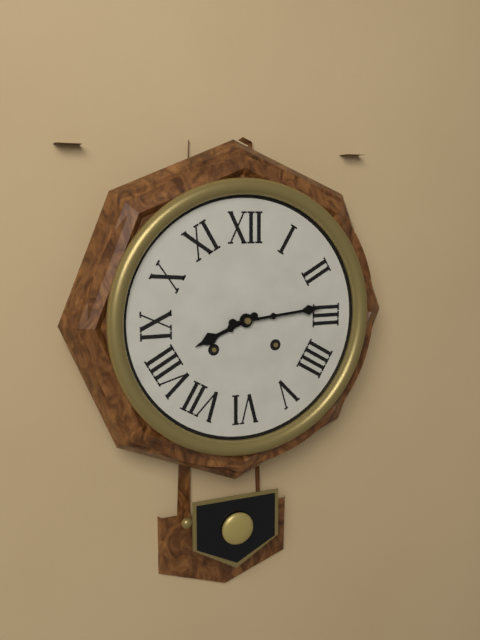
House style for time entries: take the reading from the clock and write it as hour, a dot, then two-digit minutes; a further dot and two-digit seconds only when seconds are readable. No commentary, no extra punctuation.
8.14
